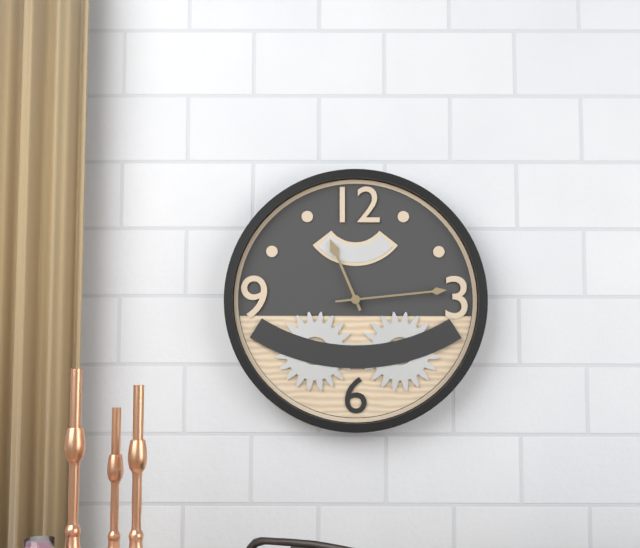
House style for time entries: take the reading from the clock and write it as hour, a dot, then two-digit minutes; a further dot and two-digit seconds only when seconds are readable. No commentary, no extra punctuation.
11.14
